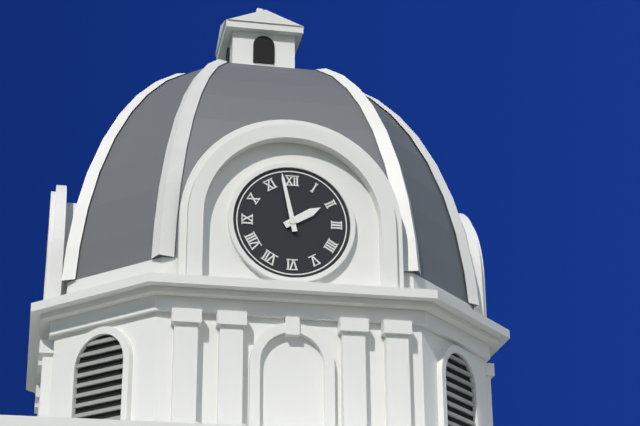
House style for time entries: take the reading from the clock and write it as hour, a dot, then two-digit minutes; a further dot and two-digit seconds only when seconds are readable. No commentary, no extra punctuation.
1.58
